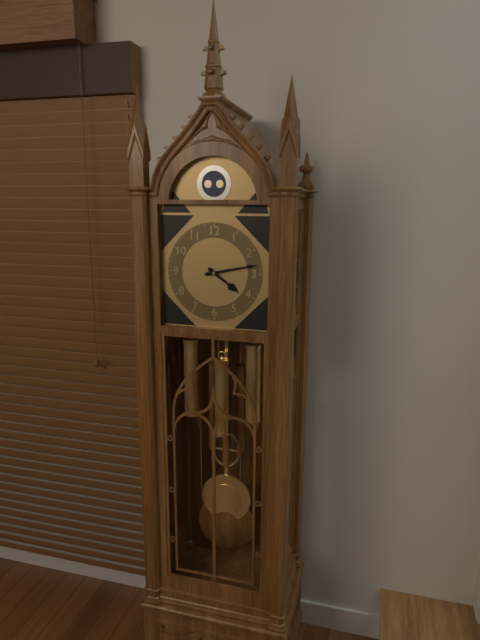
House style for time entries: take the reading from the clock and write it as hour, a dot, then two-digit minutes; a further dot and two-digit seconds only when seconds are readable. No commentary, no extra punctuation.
4.13
